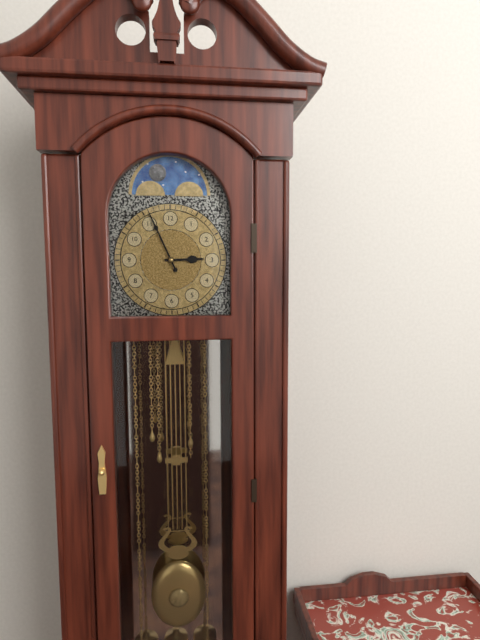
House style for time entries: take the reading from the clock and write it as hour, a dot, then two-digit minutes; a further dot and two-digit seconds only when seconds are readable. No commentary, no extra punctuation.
2.56
